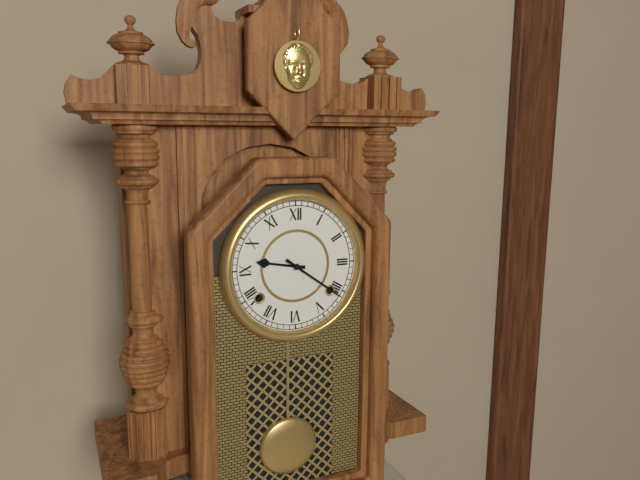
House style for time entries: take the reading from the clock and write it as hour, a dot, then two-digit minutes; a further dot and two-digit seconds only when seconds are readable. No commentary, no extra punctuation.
9.21
